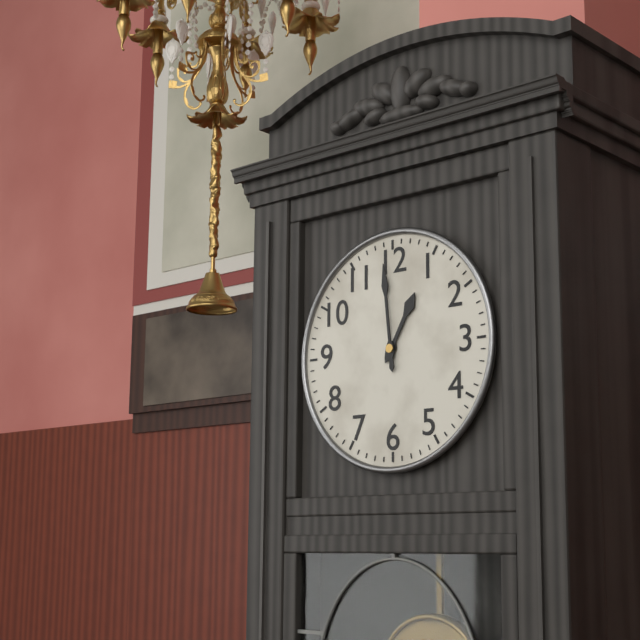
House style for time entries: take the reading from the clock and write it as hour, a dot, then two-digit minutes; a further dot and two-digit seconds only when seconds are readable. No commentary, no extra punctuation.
12.59
